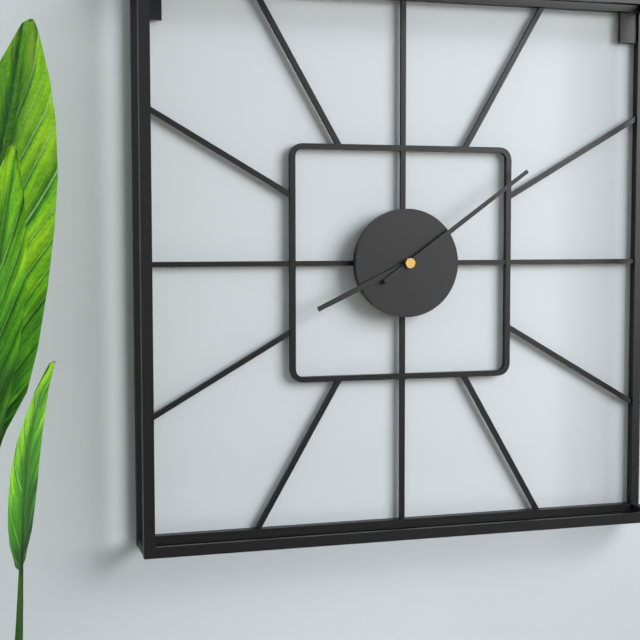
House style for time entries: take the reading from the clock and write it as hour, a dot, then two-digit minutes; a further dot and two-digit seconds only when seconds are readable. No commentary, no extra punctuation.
8.09
